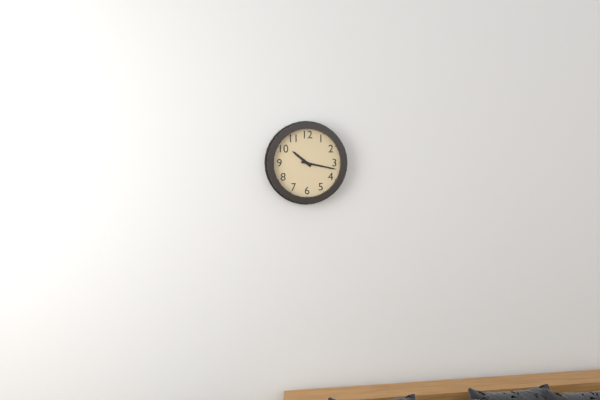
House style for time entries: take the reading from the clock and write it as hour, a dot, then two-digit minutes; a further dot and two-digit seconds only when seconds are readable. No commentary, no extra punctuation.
10.17
